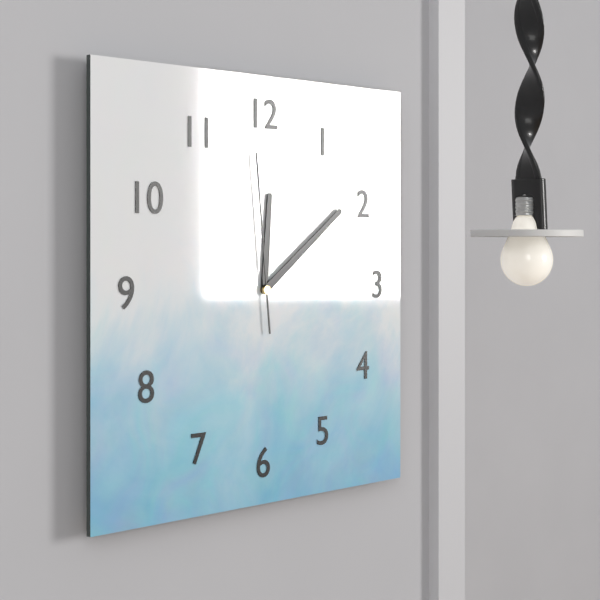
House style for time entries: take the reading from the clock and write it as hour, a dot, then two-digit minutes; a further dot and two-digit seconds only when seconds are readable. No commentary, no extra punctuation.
12.09.59
